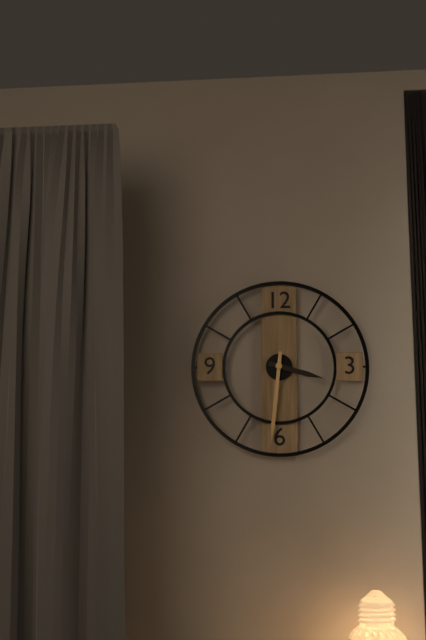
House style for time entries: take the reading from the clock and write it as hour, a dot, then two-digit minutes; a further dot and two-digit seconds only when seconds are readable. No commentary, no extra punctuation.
3.31
